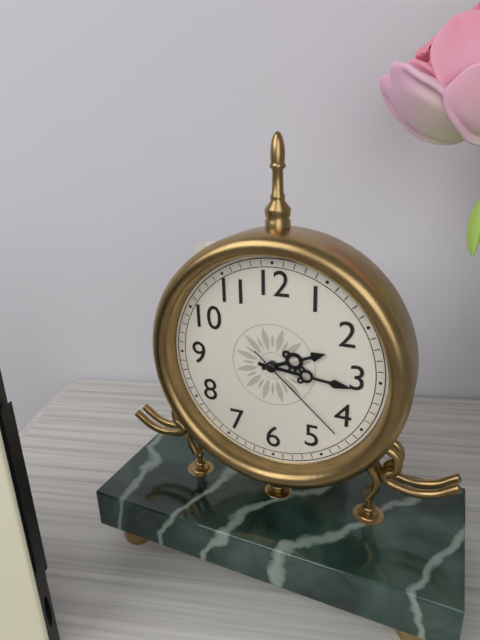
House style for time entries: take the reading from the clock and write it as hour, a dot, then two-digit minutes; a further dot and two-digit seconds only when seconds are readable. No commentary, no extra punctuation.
2.16.22
